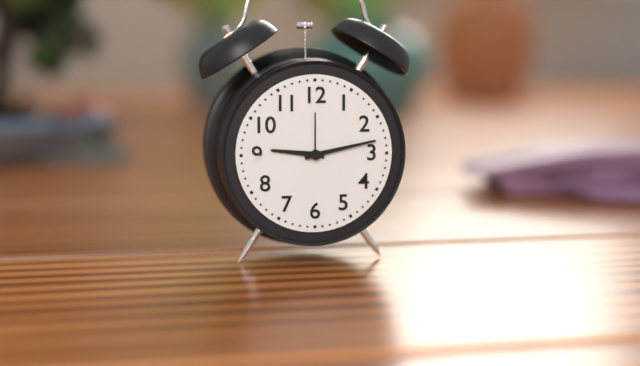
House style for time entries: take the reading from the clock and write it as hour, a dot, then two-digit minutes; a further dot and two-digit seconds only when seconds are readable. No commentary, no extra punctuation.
9.13
